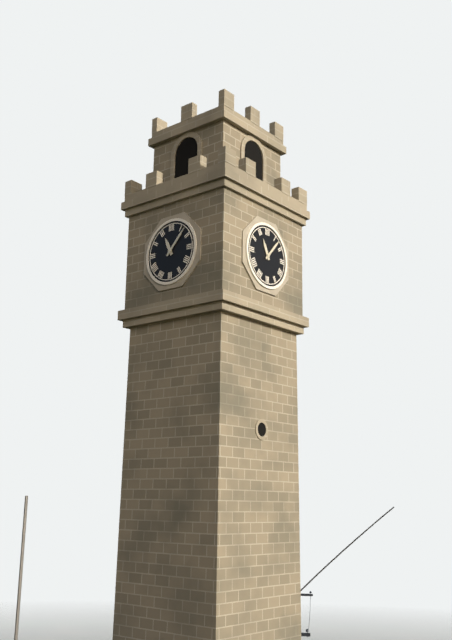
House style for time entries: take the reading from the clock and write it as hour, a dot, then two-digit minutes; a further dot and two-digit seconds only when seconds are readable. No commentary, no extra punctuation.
11.07
